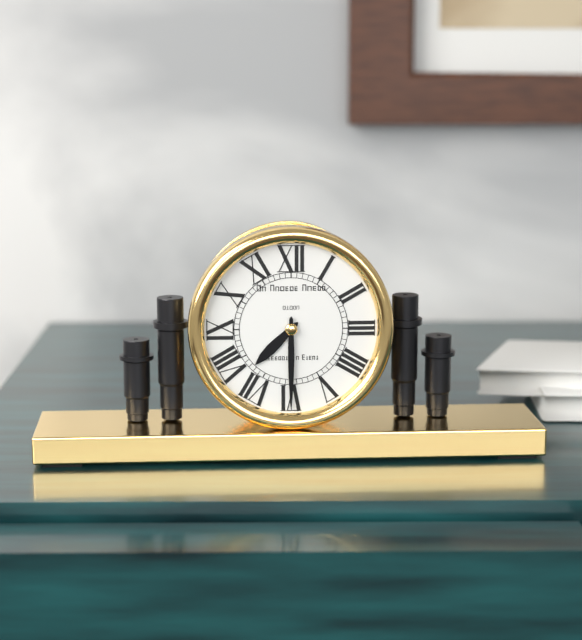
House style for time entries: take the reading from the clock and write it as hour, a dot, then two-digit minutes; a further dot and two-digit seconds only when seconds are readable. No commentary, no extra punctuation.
7.30
